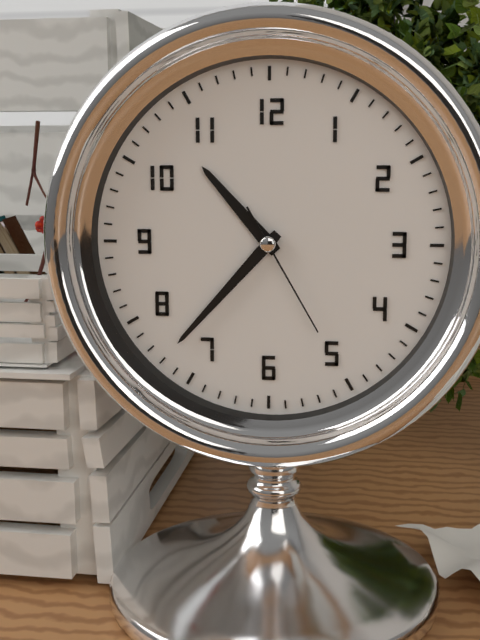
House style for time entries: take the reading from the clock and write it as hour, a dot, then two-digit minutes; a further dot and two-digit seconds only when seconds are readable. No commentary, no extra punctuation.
10.37.25
